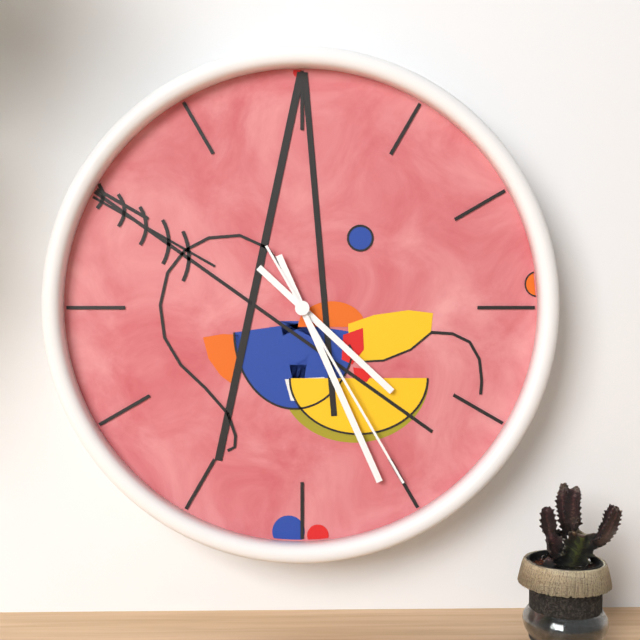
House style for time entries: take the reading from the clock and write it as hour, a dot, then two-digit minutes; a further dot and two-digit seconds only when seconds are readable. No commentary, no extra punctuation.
4.26.25
